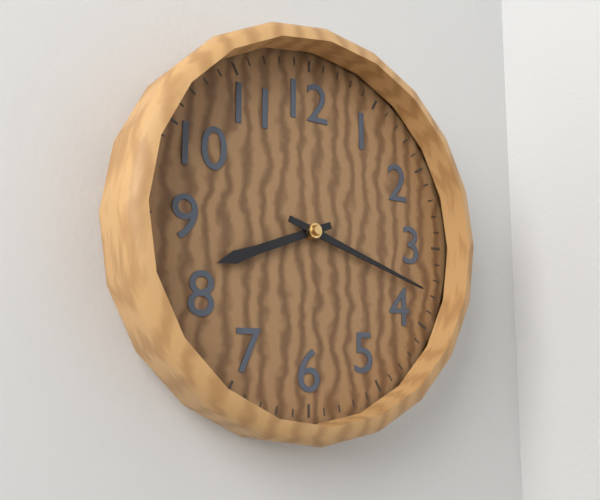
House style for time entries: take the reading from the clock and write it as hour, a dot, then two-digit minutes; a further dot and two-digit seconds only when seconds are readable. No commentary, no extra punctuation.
8.18
